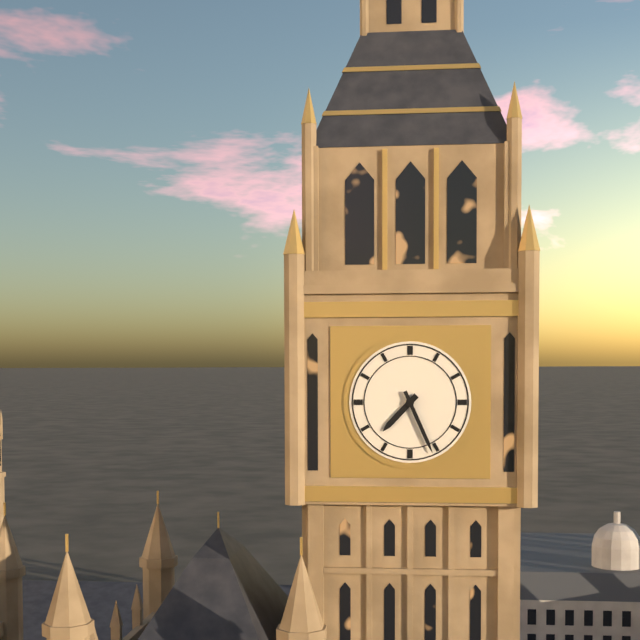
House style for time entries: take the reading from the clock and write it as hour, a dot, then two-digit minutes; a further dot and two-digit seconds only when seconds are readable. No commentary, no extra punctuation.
7.26
